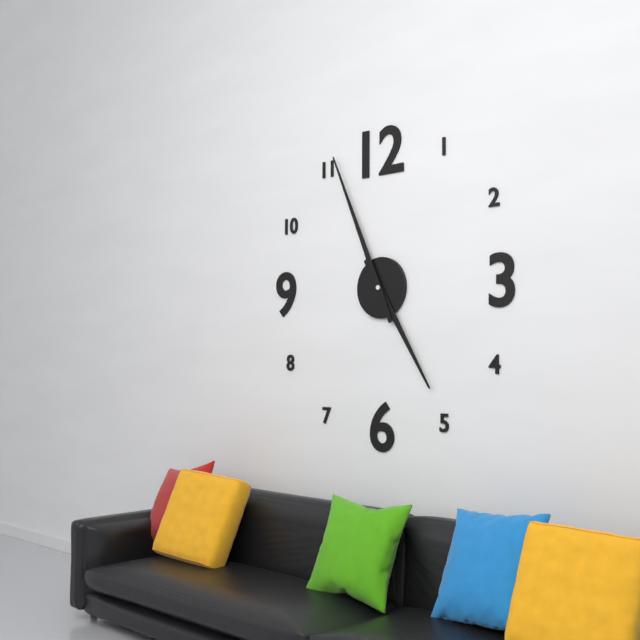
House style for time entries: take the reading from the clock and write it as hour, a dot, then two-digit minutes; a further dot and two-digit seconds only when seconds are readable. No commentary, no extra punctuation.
4.56
